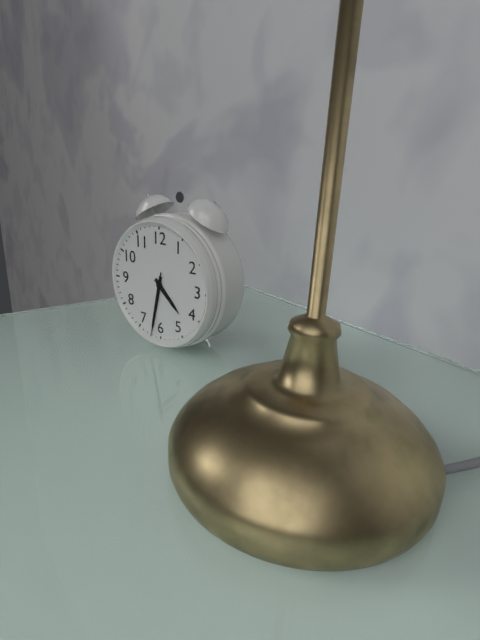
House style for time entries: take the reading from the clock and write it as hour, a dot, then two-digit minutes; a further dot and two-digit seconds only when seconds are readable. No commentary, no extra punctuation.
4.32.32
